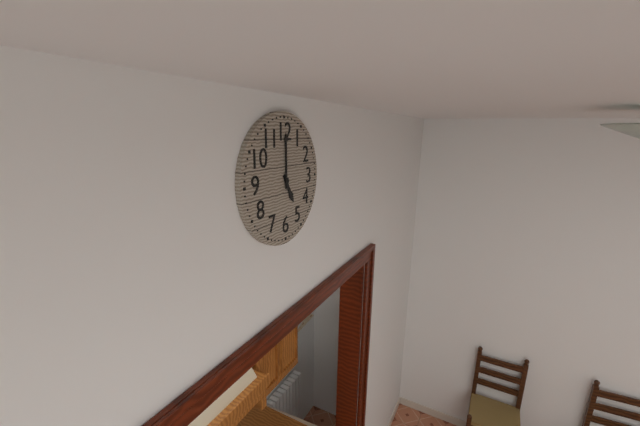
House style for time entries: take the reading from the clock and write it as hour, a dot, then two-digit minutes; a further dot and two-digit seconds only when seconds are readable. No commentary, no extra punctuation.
5.00
